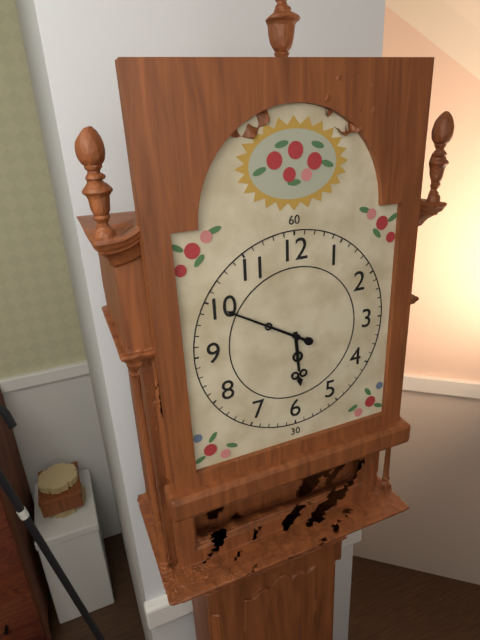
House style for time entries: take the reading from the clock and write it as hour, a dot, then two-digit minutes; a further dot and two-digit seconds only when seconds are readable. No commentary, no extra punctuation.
5.50
